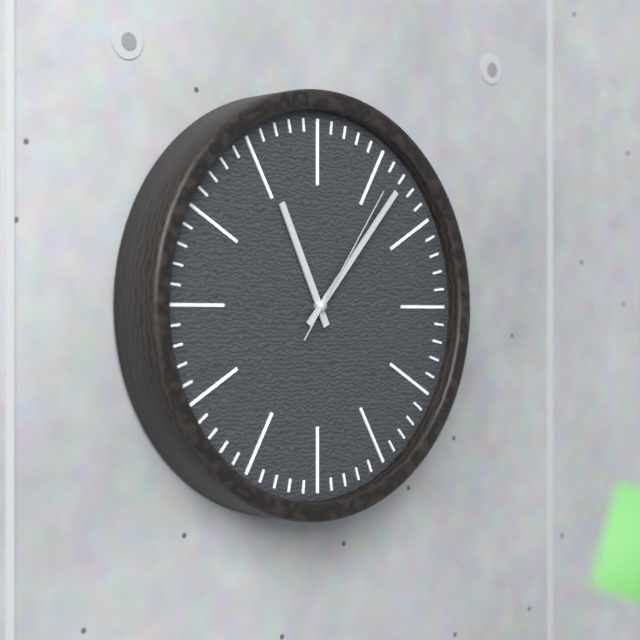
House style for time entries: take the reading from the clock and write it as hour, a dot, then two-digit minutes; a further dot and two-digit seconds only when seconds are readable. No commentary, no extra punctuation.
11.07.06
